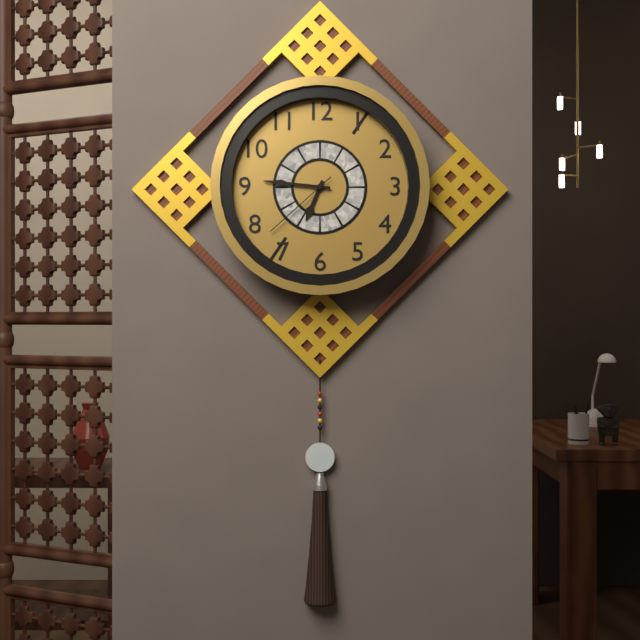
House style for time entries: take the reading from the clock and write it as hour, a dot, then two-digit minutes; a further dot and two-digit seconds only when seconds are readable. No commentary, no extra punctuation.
6.46.38
